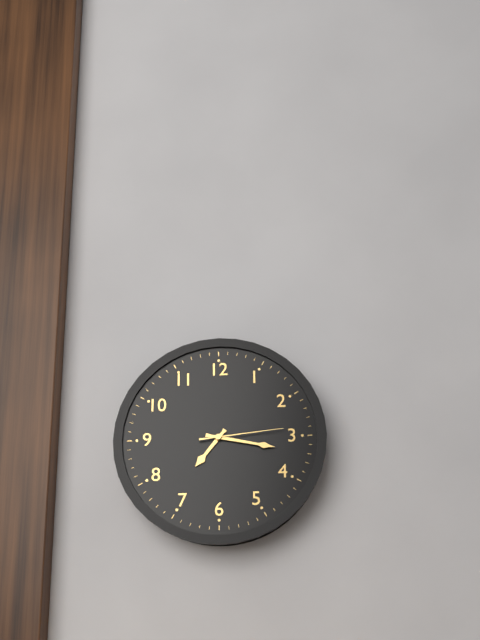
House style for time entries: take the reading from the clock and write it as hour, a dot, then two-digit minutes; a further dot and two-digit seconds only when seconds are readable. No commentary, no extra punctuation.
7.17.14
